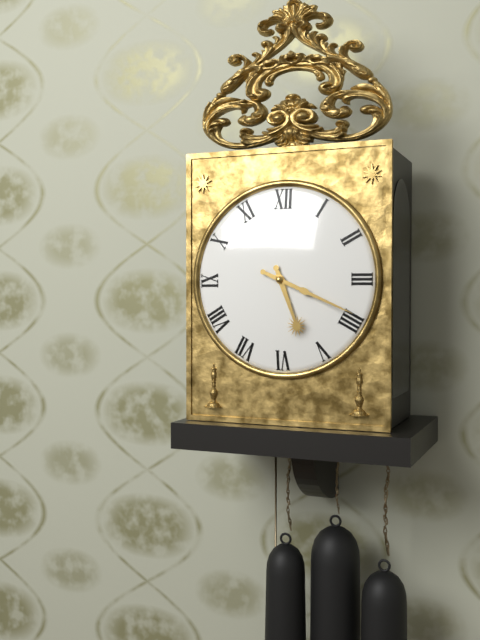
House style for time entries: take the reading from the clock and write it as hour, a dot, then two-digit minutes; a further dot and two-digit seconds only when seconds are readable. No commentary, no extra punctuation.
5.19
